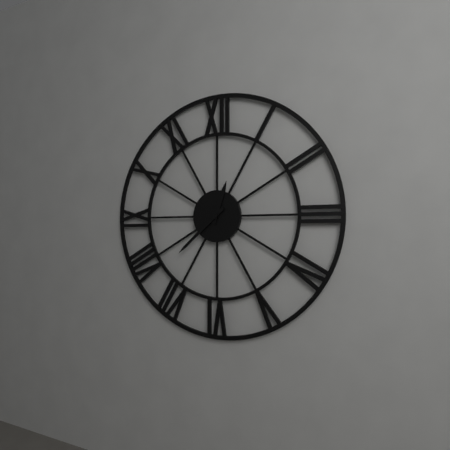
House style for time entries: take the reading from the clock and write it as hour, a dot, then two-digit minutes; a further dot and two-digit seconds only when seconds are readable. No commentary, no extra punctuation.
12.38
